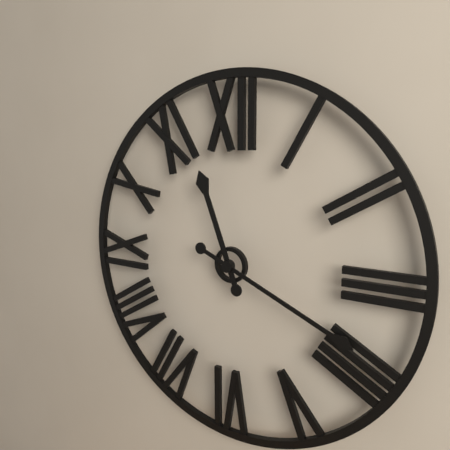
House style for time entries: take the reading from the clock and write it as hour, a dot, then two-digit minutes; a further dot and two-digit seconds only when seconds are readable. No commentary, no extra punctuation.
11.19
